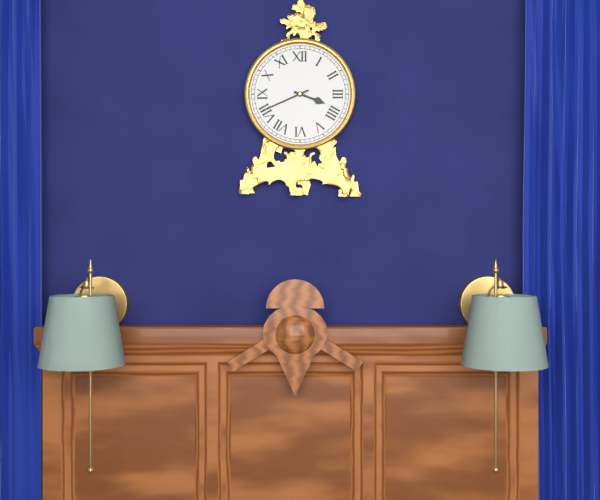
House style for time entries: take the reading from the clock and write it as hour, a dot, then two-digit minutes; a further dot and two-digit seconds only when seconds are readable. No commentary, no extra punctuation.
3.41
